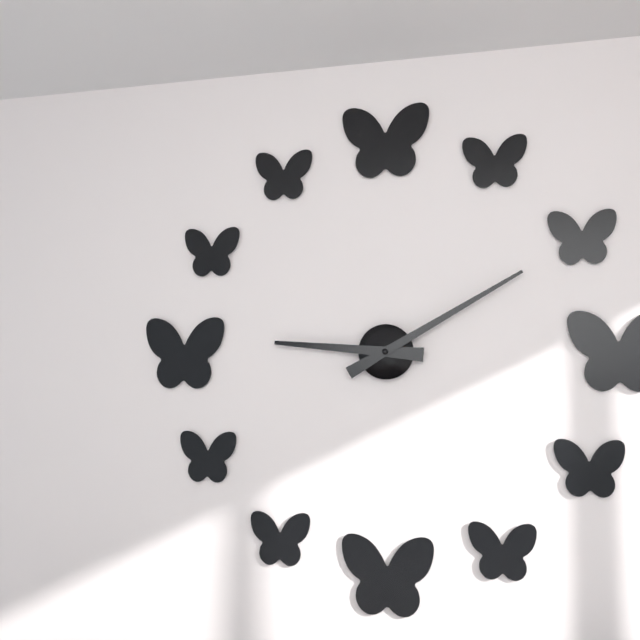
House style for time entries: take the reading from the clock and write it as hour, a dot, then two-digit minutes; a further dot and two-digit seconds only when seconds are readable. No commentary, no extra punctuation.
9.10
